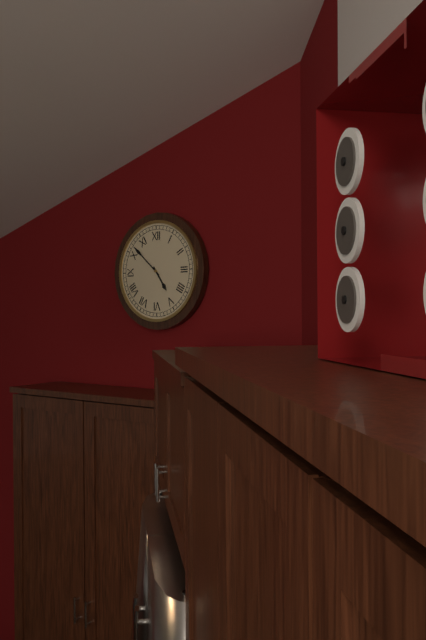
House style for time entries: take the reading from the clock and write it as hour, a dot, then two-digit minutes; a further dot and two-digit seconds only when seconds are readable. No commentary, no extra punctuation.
4.52
